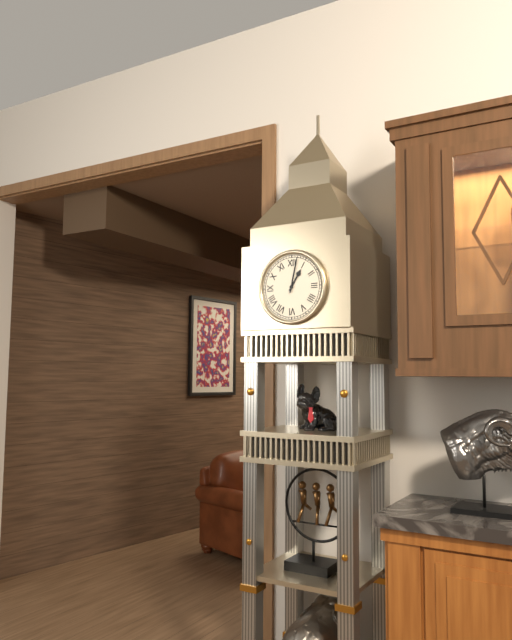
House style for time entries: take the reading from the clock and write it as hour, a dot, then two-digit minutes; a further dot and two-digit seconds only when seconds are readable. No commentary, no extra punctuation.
1.02
